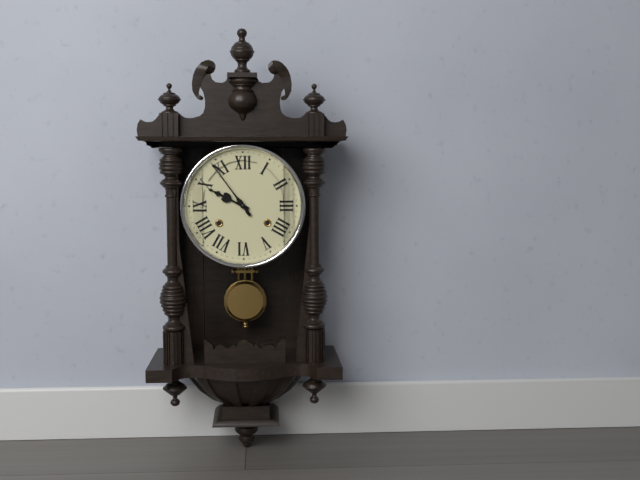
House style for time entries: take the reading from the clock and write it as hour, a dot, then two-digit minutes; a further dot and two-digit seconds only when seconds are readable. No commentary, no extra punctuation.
9.54
